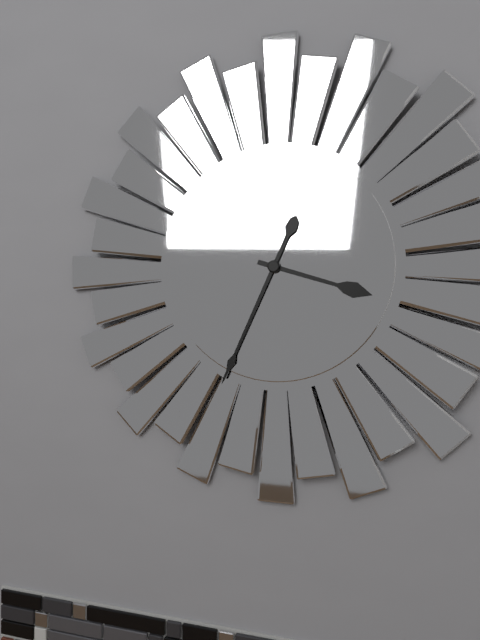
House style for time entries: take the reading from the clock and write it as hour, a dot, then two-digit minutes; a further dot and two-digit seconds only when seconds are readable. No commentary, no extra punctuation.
3.34
